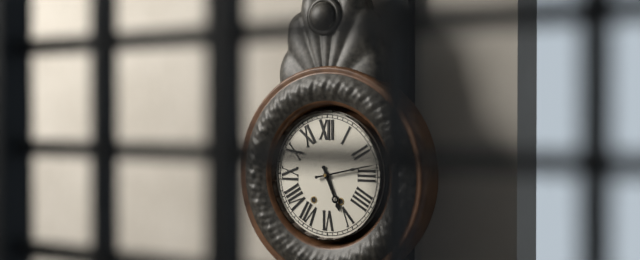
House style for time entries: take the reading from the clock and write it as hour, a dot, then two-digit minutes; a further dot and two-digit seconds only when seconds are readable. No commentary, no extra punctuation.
5.13
